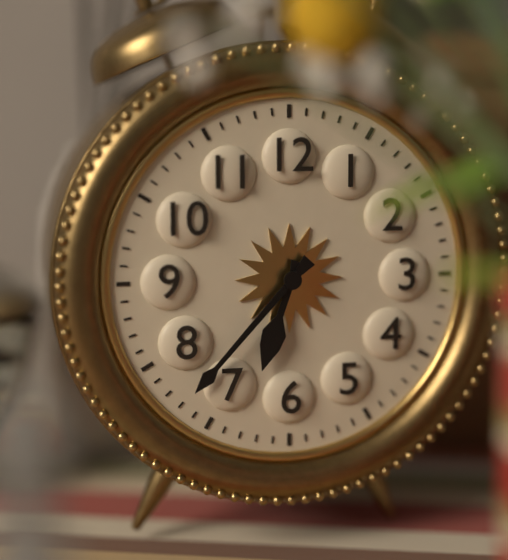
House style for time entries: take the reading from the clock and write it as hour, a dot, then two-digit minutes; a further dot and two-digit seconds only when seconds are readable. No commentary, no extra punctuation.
6.37
